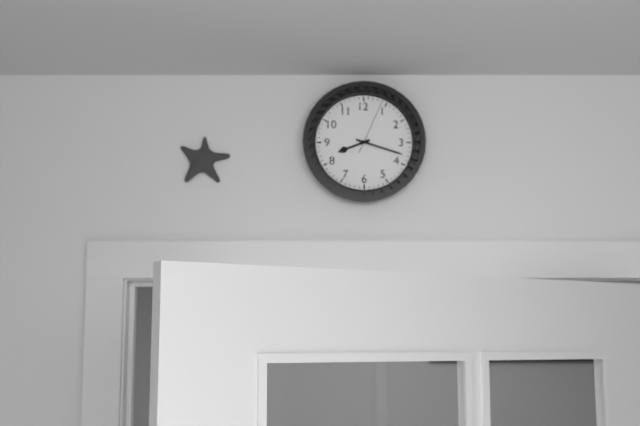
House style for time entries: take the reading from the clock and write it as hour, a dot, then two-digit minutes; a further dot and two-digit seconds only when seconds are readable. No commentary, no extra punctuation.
8.18.04
